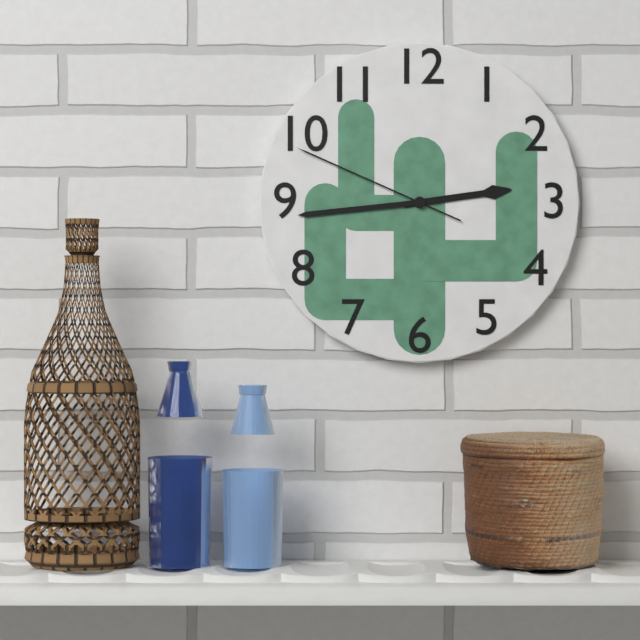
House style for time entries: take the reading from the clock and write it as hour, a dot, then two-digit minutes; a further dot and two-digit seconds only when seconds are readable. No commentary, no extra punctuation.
2.44.49
